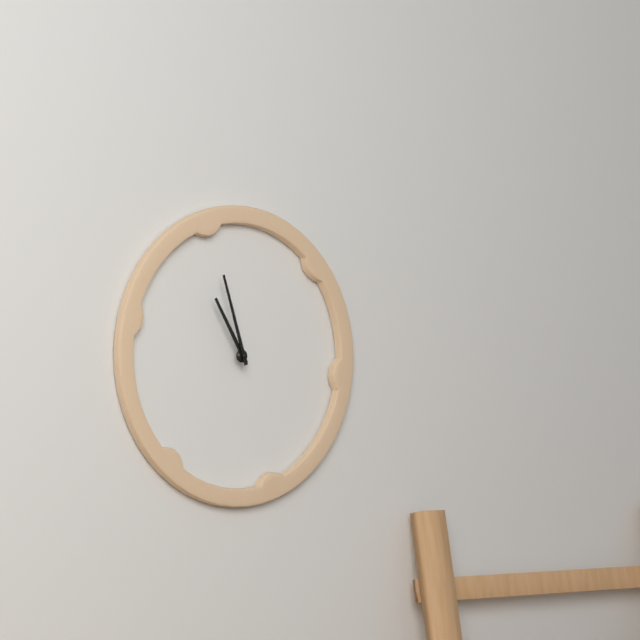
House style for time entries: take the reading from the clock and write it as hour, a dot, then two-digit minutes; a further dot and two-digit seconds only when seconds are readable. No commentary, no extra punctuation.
10.57
